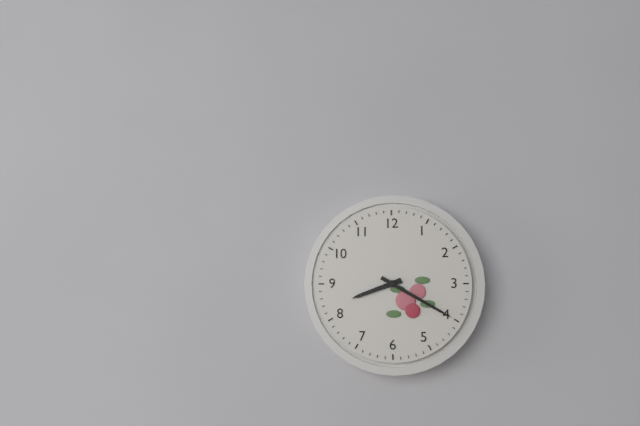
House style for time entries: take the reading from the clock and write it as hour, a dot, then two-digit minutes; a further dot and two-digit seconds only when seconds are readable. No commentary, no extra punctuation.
8.20
